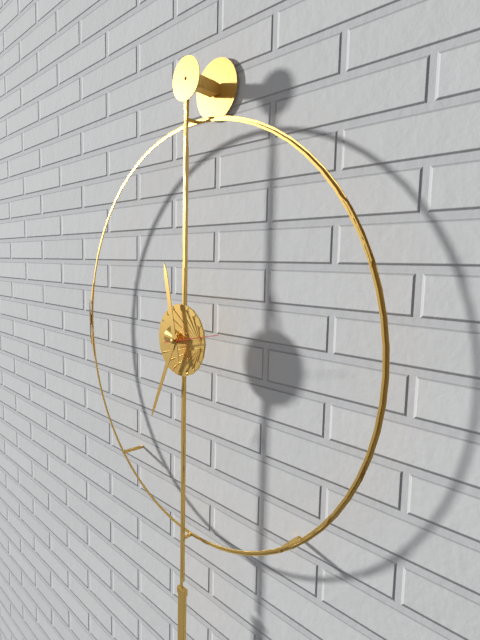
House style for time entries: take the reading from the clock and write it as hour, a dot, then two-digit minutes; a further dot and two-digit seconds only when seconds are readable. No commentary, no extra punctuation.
11.34.13
